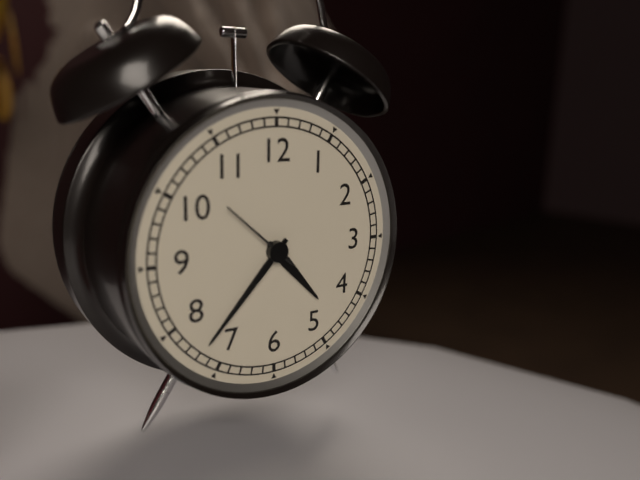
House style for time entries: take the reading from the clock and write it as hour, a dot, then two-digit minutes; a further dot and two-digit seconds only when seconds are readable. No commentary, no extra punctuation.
4.37
